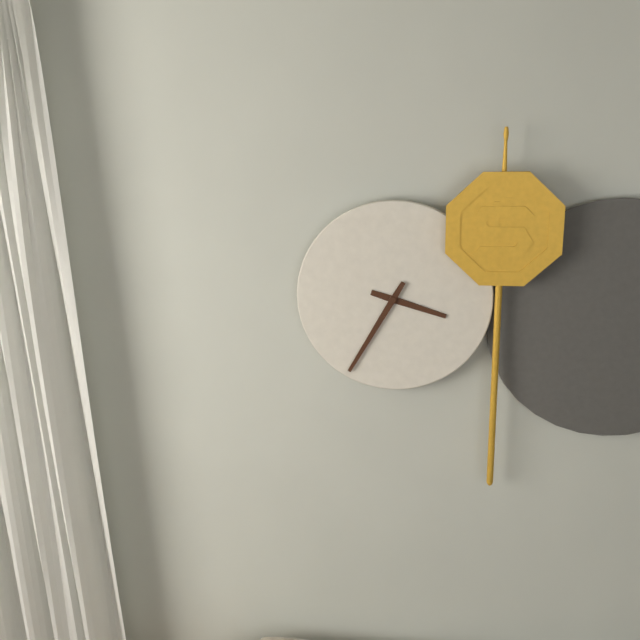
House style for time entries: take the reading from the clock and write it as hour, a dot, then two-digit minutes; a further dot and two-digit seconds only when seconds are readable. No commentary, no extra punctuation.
3.35
